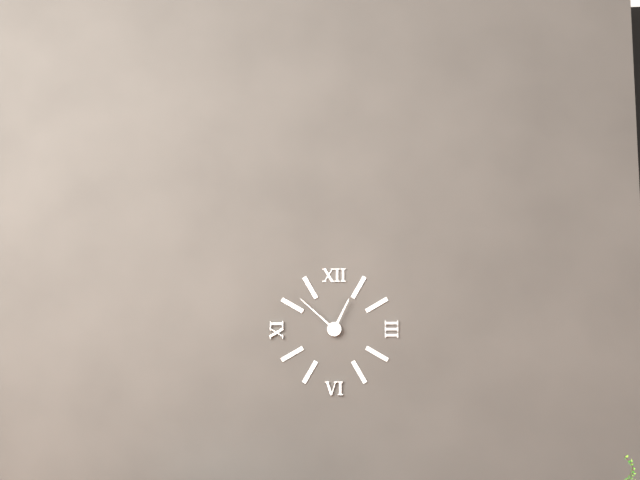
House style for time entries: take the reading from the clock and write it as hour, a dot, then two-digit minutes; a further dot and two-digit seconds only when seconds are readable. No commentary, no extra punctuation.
12.52
